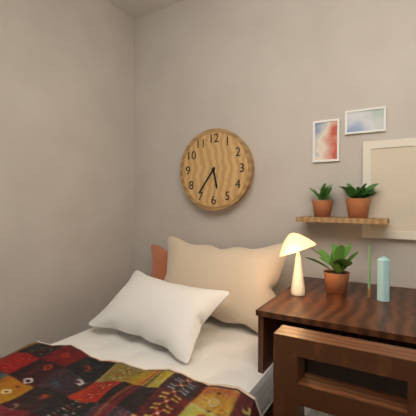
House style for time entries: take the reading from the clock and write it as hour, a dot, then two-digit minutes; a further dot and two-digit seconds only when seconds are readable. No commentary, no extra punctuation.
5.36
